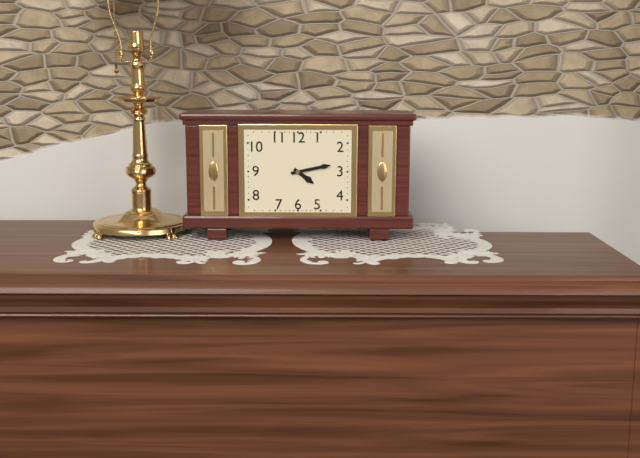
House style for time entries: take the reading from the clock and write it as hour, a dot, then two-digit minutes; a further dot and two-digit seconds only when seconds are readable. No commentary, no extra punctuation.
4.13
